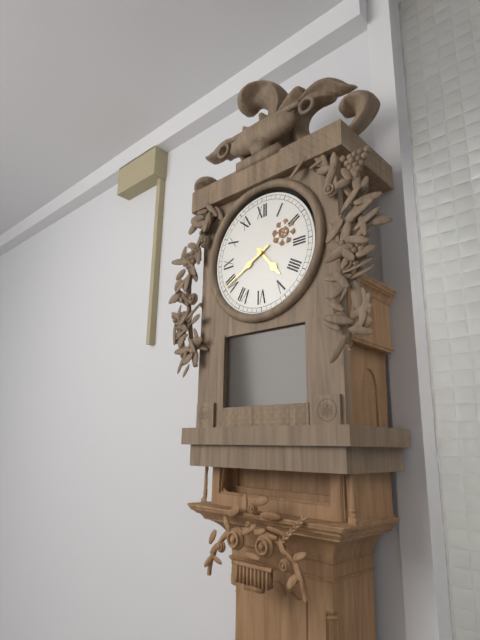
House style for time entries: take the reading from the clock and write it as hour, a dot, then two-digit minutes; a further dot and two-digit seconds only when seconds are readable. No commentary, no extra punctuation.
4.40
